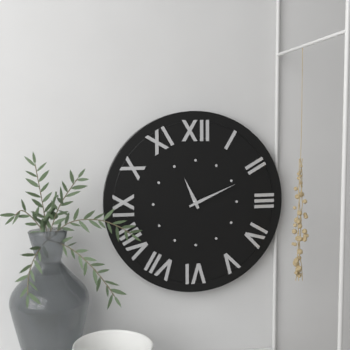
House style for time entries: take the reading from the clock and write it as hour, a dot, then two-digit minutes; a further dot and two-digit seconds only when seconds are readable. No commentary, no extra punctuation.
11.11
